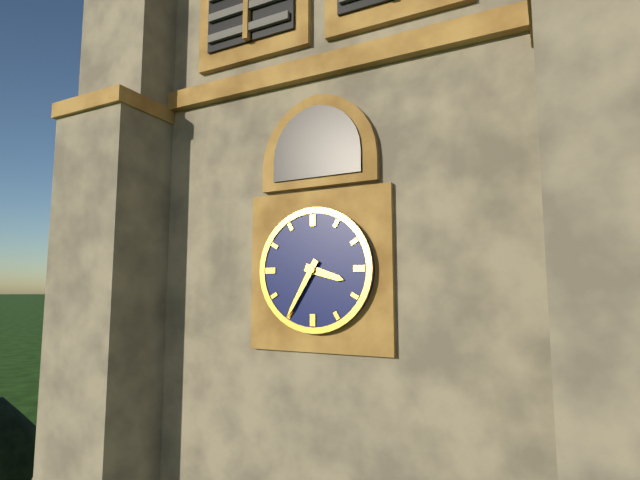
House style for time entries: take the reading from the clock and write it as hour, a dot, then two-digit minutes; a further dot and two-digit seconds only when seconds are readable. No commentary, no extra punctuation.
3.35
